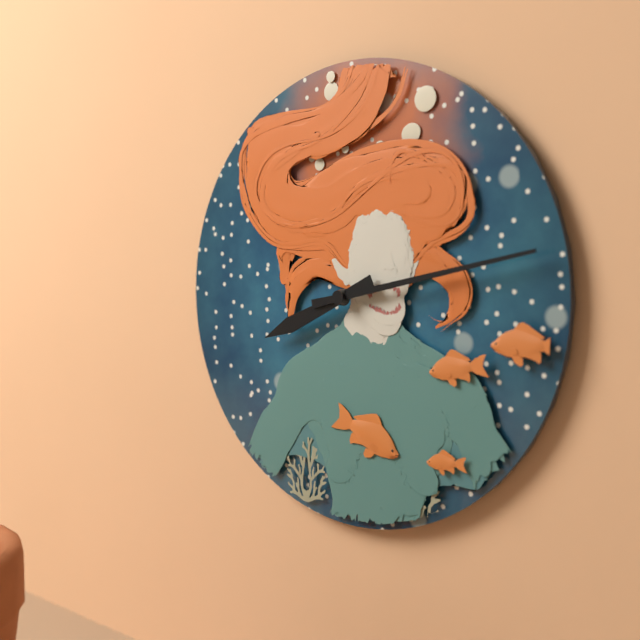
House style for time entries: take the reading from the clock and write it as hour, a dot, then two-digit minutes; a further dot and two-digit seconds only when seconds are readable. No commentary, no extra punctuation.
8.13
